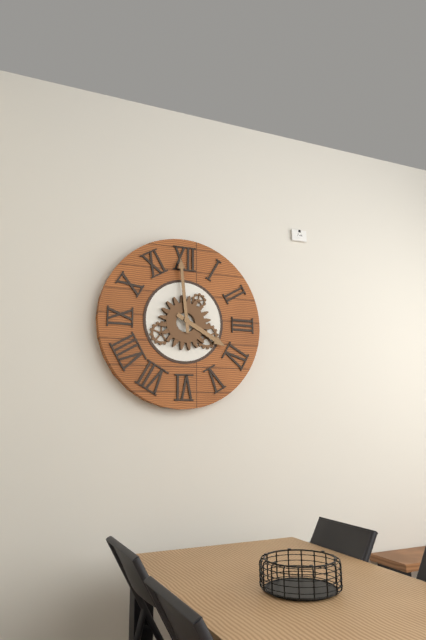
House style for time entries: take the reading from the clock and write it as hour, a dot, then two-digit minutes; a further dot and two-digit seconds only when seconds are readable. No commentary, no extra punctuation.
3.59
